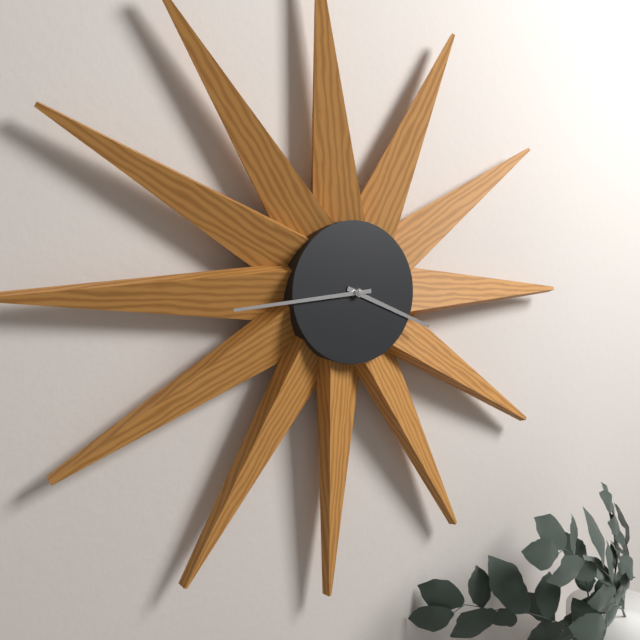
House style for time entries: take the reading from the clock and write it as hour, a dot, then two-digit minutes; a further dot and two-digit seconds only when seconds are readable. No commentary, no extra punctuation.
3.44
